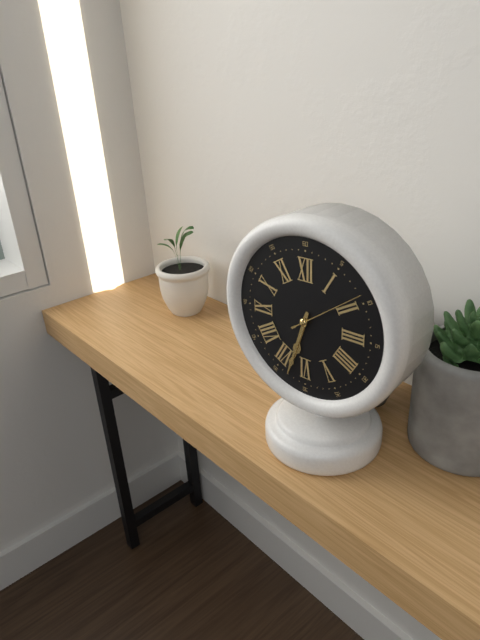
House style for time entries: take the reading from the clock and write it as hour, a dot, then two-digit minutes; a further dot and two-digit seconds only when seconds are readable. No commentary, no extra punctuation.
6.33.09
